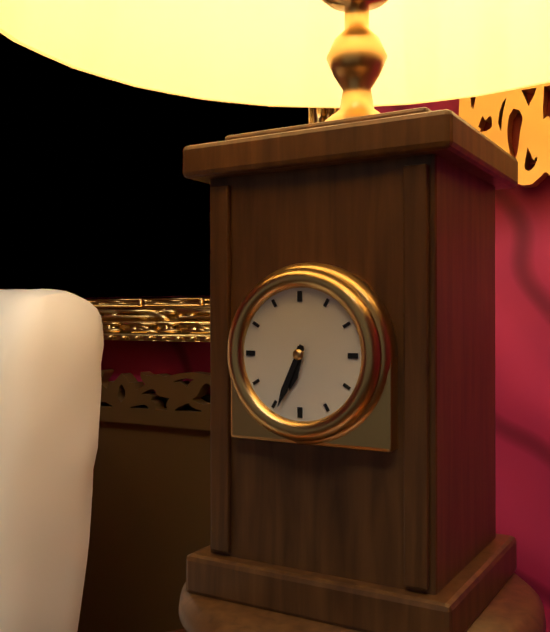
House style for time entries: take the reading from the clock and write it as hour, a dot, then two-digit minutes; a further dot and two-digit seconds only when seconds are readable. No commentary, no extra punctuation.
6.34
